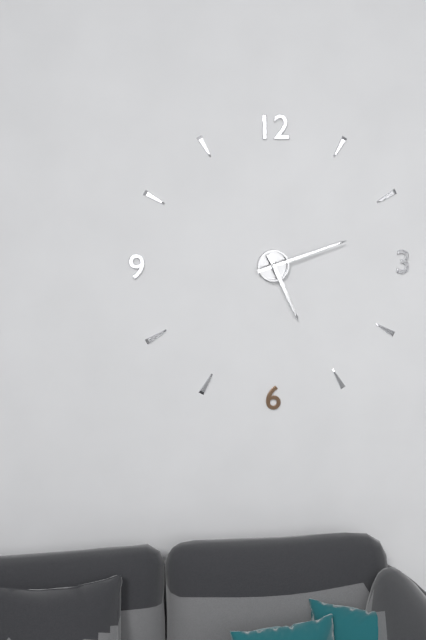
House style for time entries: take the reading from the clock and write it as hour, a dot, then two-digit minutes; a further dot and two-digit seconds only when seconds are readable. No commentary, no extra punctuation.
5.12
